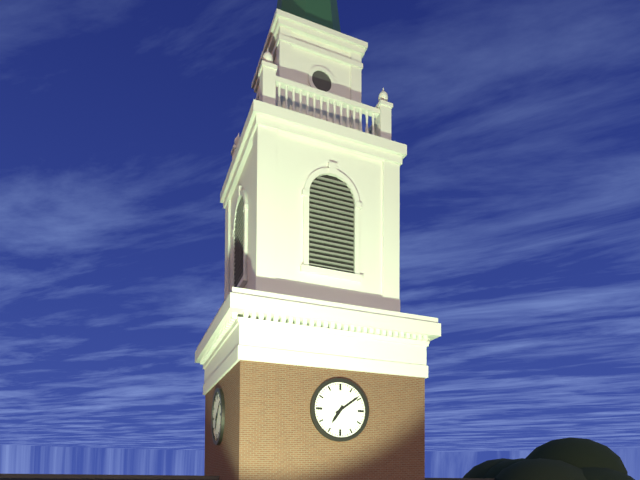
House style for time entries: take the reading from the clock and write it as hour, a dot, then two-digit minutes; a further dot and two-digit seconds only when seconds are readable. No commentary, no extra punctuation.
7.09
